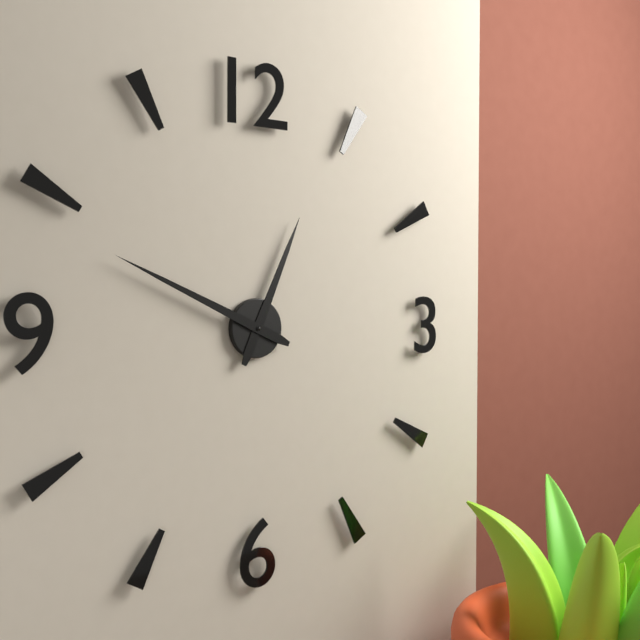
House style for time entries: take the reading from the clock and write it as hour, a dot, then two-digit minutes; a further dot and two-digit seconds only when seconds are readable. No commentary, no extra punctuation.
12.49
